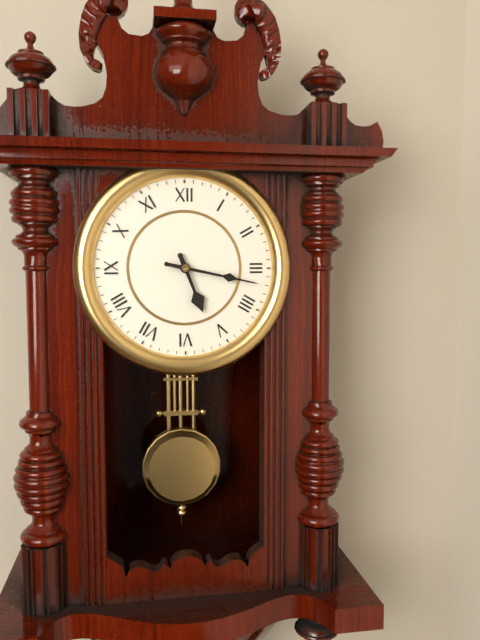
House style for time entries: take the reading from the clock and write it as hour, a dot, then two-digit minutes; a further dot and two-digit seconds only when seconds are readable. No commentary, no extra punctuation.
5.17
